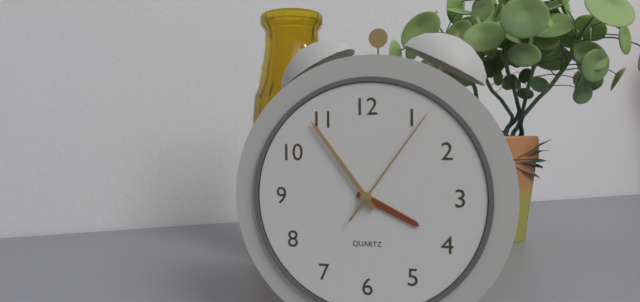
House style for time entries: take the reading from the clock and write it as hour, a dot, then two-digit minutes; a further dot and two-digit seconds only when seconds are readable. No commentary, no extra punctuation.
3.54.06
